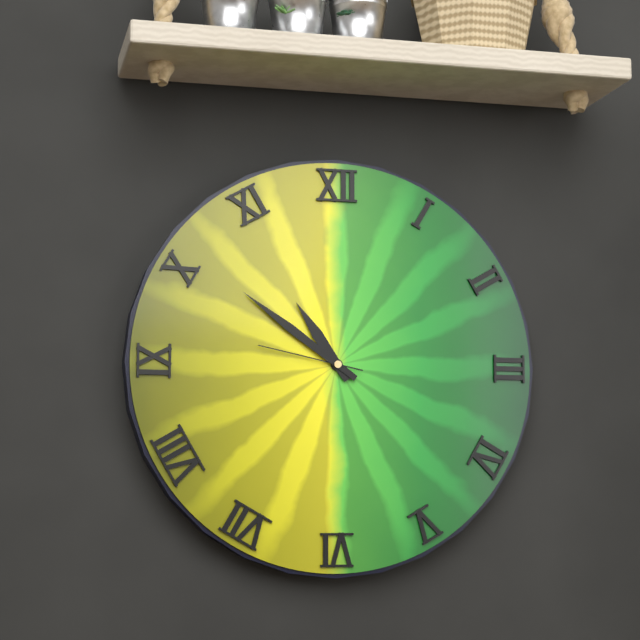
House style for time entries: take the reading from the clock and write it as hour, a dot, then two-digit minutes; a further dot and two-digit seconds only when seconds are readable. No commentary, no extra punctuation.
10.51.47
